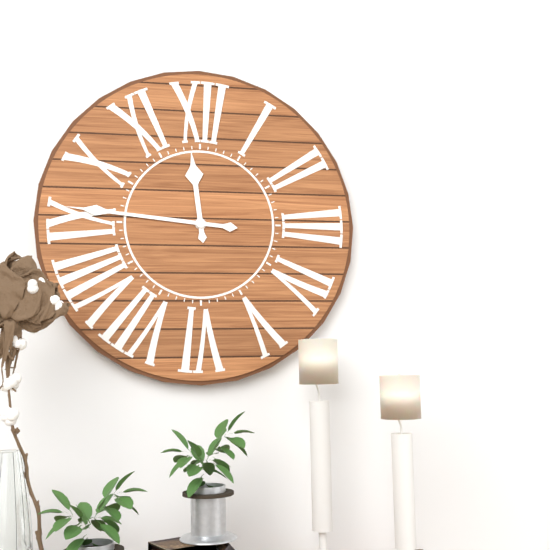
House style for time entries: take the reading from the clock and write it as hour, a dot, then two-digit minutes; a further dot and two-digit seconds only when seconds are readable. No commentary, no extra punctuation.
11.46
